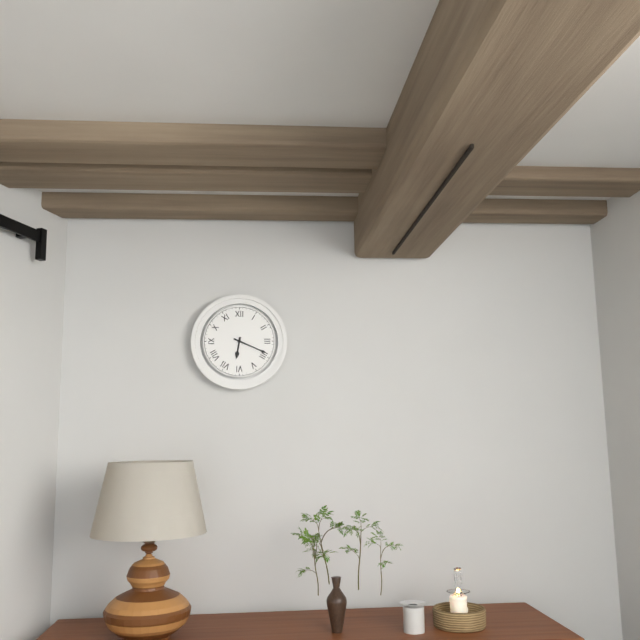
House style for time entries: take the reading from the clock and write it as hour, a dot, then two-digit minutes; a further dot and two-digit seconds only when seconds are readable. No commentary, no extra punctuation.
6.19
